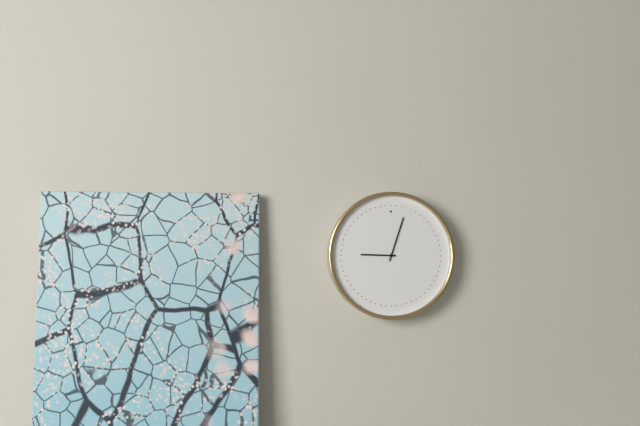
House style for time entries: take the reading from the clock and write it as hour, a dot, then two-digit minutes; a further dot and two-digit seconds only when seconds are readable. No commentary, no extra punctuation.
9.03
